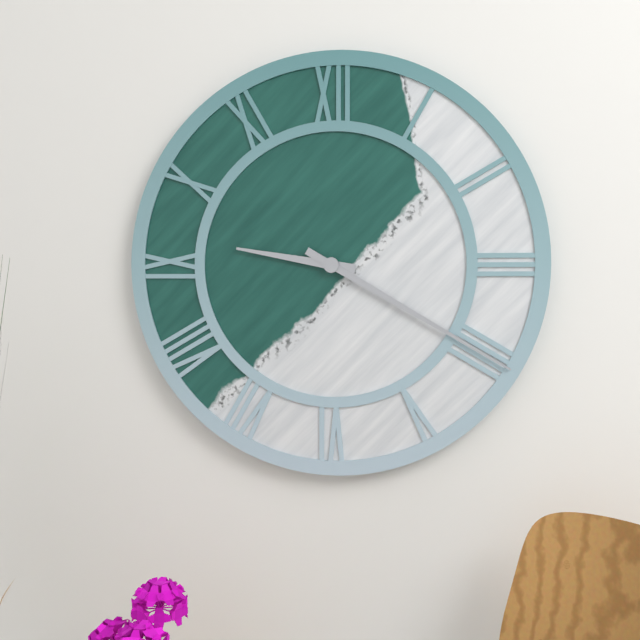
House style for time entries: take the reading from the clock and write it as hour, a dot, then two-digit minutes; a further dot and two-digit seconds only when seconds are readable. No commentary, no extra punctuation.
9.20
